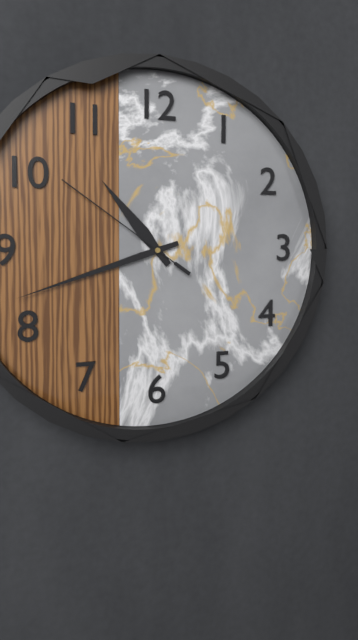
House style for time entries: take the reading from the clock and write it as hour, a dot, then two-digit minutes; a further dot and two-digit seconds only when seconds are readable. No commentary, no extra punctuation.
10.42.51
